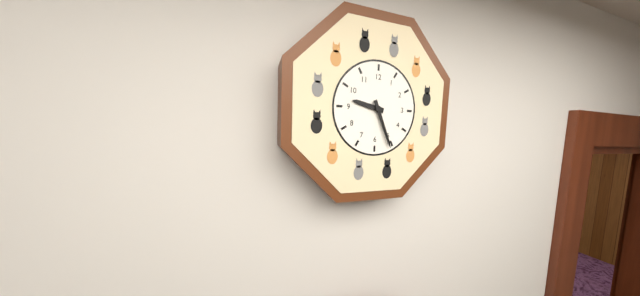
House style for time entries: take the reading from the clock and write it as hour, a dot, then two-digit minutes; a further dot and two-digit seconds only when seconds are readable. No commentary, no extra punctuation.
9.26
